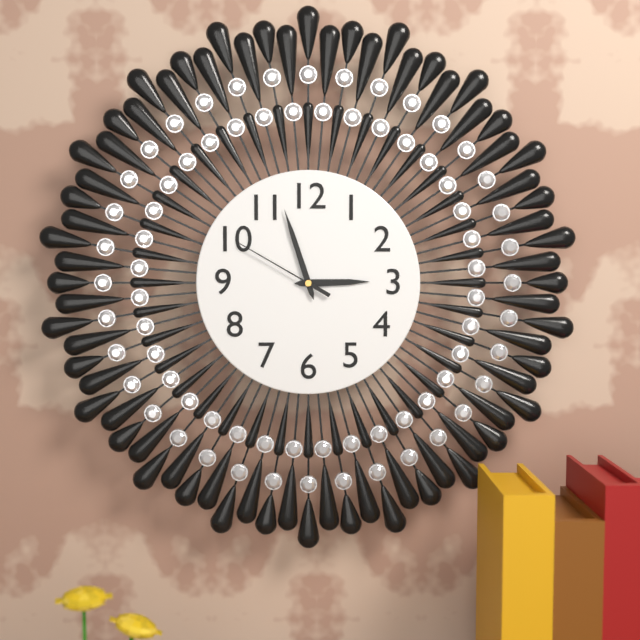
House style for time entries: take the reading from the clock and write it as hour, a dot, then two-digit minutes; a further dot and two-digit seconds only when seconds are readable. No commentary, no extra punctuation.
2.57.50
